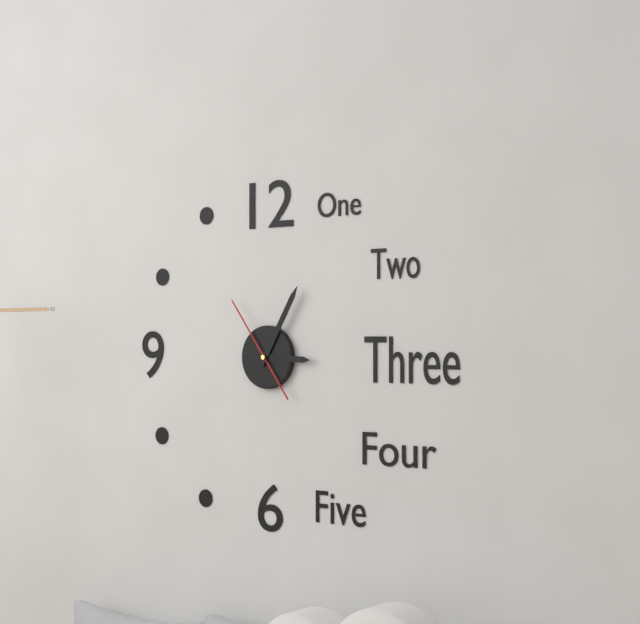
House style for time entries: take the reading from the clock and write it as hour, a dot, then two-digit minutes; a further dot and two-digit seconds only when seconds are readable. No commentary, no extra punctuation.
3.05.54
